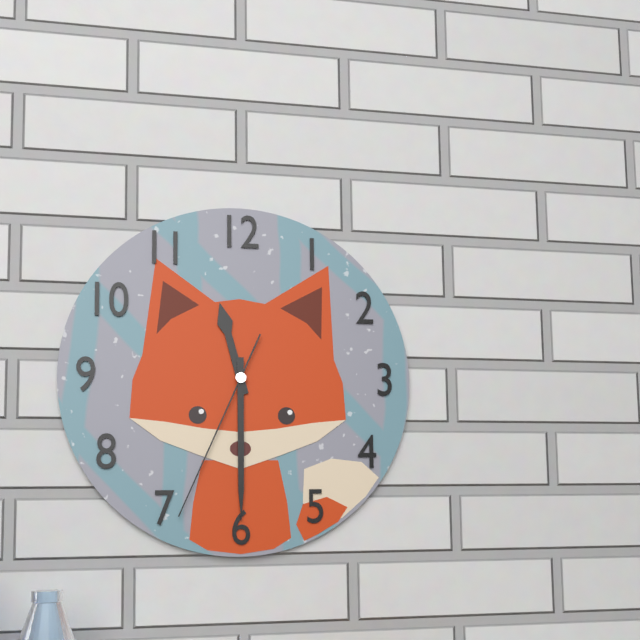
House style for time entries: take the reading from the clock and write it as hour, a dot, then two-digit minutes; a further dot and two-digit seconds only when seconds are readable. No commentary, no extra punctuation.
11.30.34
